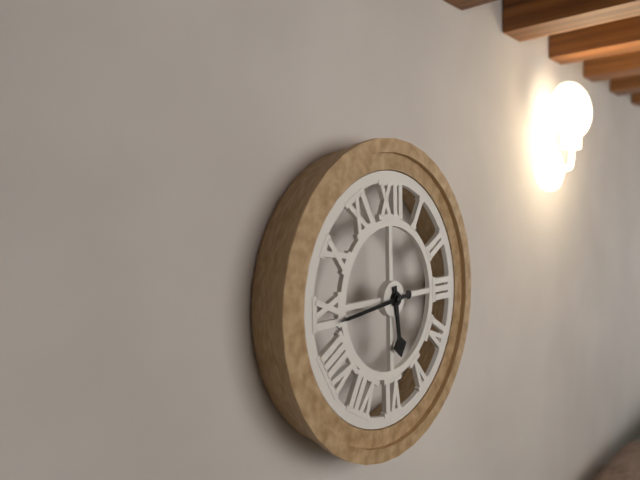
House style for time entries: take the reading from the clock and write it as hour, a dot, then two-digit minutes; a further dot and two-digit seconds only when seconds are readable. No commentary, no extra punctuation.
5.44
